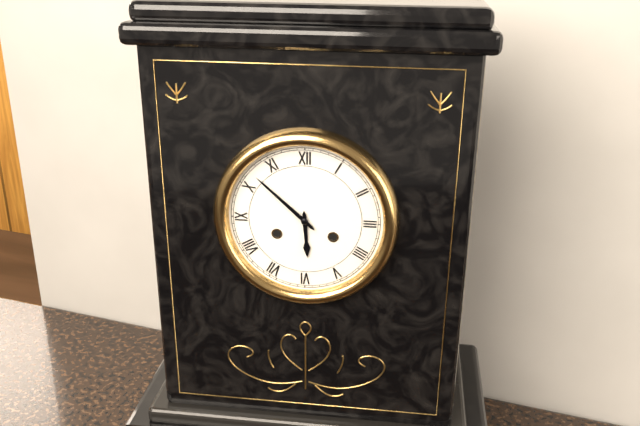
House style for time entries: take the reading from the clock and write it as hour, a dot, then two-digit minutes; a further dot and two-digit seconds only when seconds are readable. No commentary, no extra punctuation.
5.52
